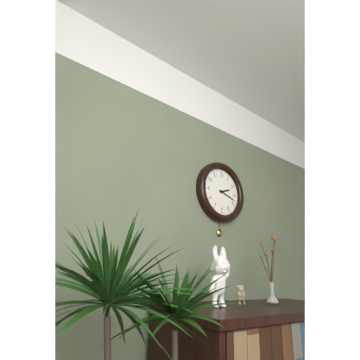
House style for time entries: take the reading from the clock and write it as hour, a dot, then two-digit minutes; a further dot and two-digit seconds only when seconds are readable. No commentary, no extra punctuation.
2.18
